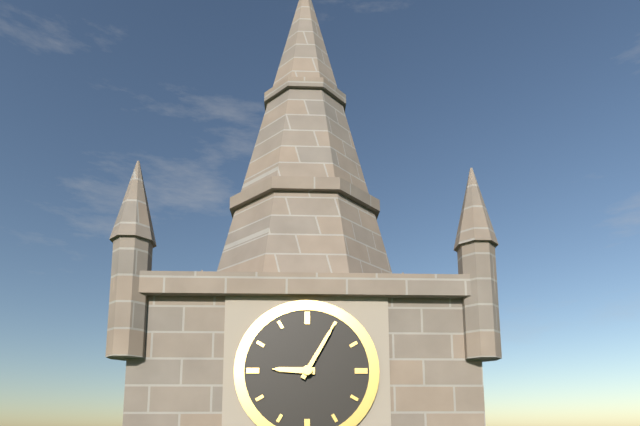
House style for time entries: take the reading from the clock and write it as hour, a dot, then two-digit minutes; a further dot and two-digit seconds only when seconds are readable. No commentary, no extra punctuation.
9.05
